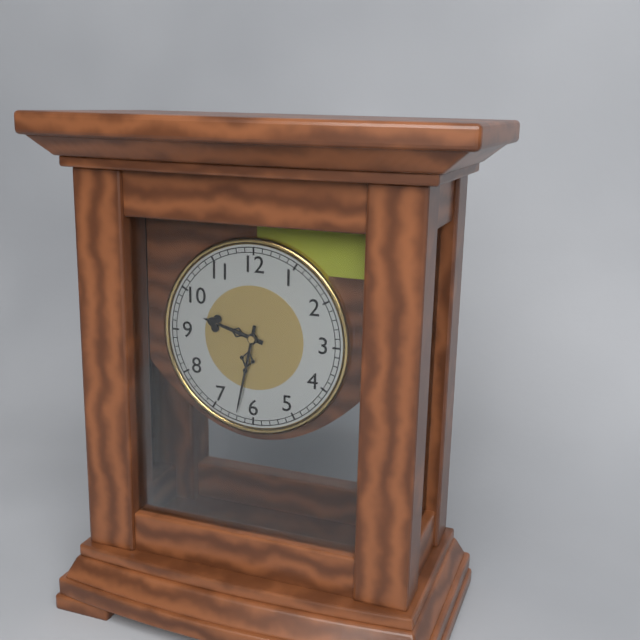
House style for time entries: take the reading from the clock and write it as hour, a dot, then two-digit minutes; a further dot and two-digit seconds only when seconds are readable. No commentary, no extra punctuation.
9.32
